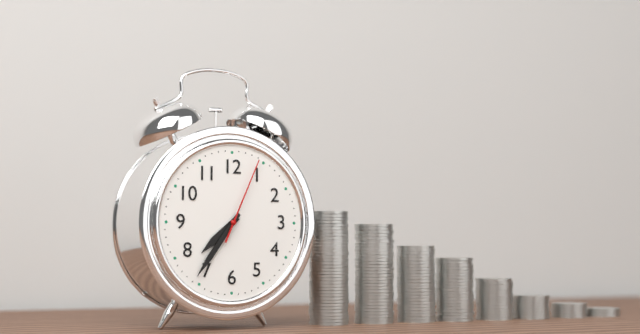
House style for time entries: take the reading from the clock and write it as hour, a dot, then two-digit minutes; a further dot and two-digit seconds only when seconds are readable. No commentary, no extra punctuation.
7.36.04
